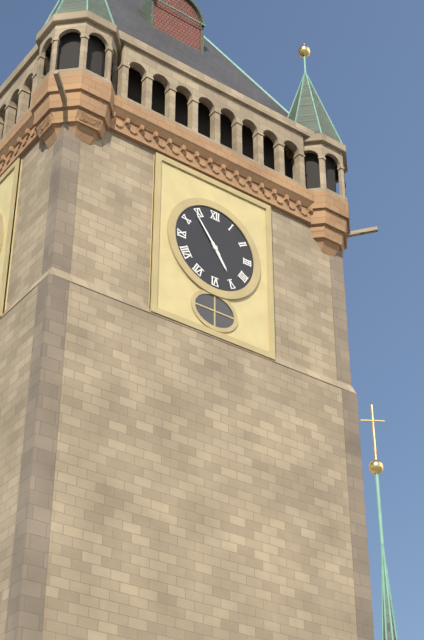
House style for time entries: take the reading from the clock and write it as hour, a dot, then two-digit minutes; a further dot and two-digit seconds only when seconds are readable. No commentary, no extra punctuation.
4.54
